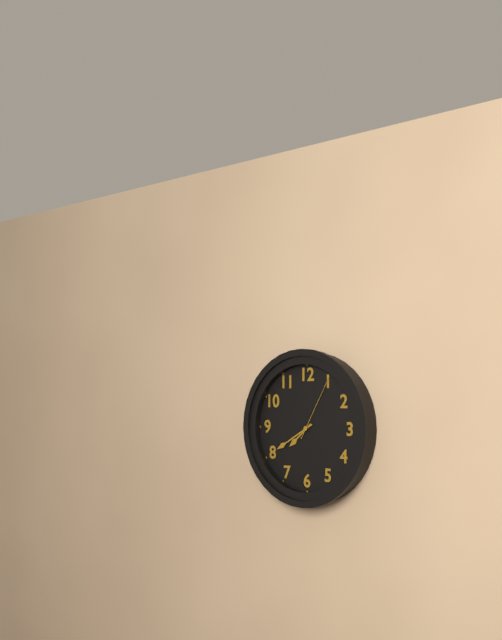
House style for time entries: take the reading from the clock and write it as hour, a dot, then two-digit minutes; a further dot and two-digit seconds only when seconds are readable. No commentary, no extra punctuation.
7.40.05
